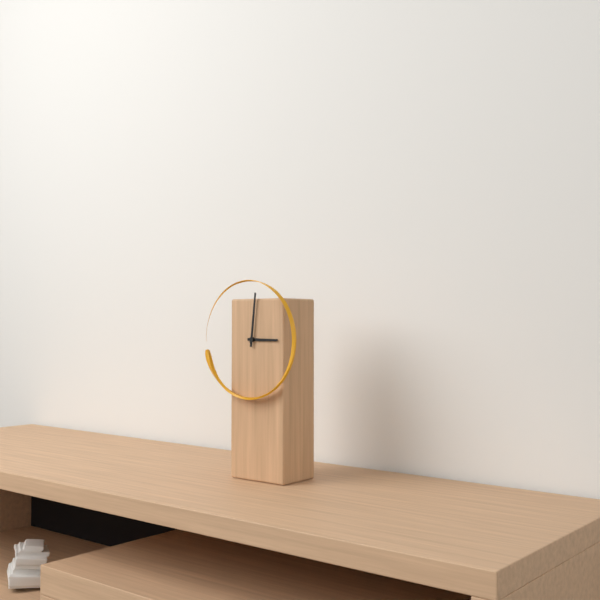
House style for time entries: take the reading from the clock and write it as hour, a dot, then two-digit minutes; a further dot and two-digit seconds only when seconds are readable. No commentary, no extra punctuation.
3.01
